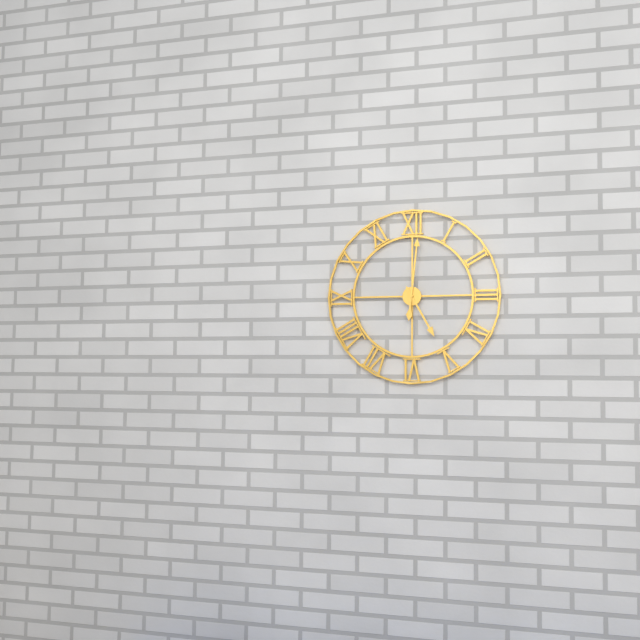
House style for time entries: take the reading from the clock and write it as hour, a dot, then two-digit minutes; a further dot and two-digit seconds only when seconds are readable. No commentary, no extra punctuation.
5.01
